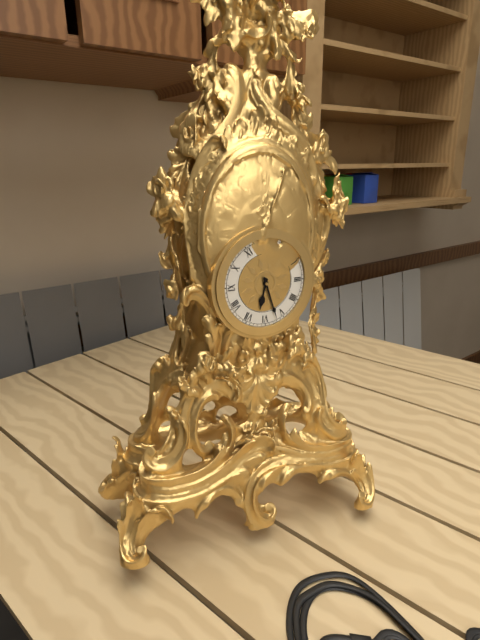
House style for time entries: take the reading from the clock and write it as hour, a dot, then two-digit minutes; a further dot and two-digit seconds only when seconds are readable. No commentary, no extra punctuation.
6.27
